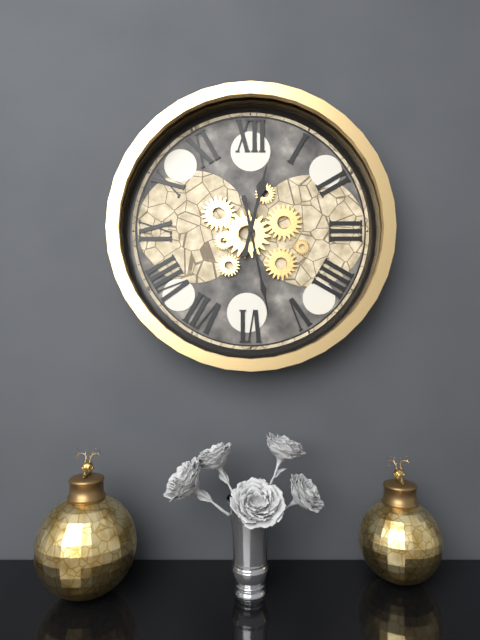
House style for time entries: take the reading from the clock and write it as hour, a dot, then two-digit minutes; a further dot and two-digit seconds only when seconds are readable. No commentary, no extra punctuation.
12.28
